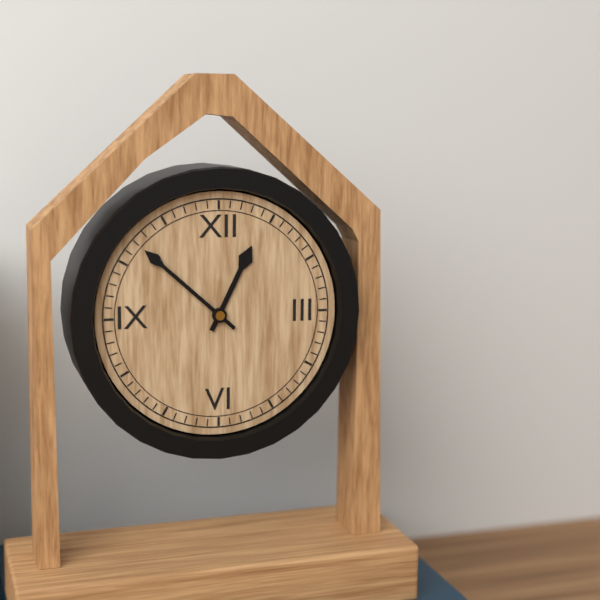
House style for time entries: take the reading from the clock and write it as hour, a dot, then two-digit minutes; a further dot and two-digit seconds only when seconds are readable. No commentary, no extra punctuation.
12.52
